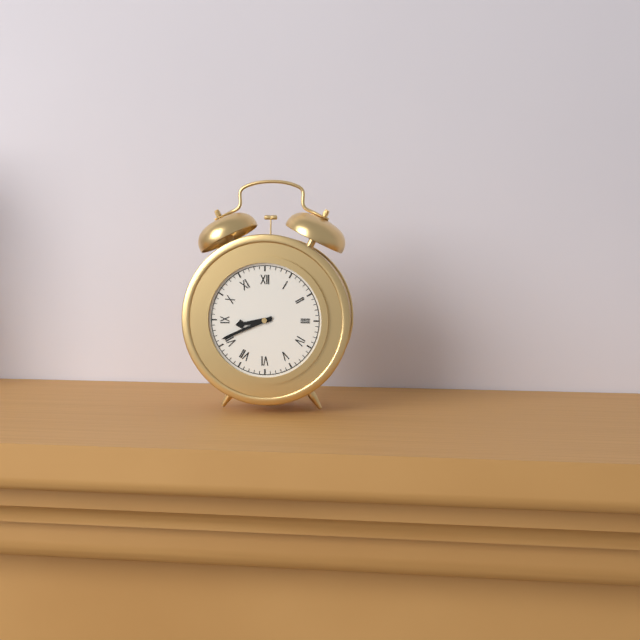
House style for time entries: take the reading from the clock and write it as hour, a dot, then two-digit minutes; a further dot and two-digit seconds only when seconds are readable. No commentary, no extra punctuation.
8.41
